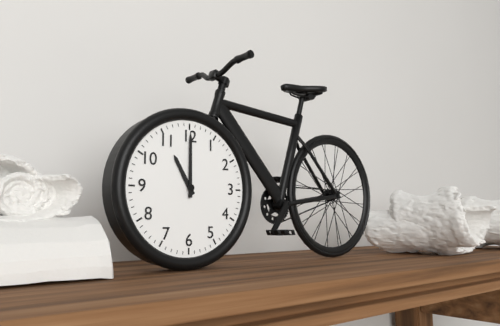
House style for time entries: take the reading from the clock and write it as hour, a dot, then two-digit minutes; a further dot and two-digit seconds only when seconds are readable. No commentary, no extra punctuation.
11.00
